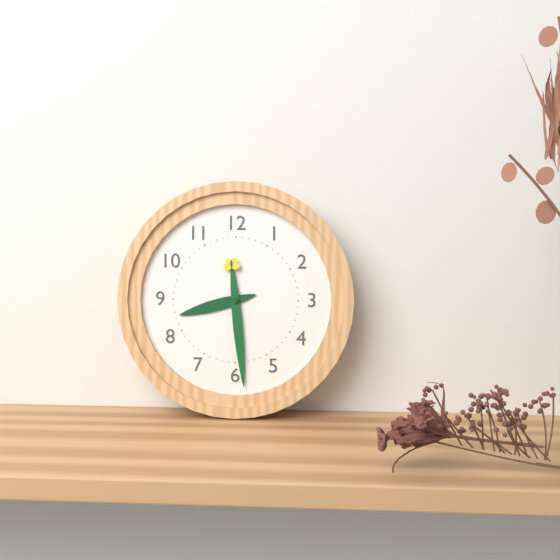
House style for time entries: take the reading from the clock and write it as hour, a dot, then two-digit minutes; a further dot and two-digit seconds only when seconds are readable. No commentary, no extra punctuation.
8.29
